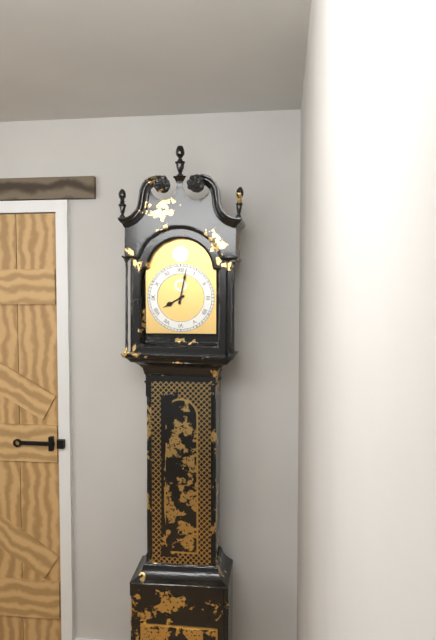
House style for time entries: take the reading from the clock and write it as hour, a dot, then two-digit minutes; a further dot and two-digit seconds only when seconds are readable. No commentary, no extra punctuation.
8.02
